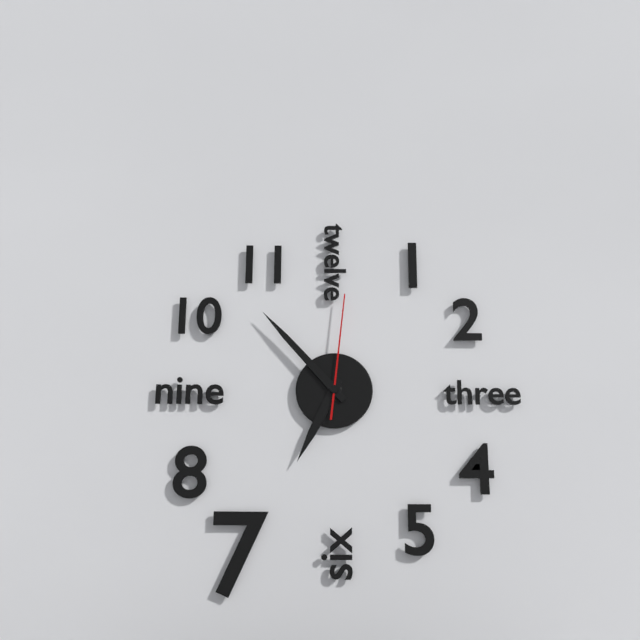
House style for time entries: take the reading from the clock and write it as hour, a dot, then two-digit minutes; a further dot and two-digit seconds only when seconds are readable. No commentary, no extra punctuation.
6.53.01
